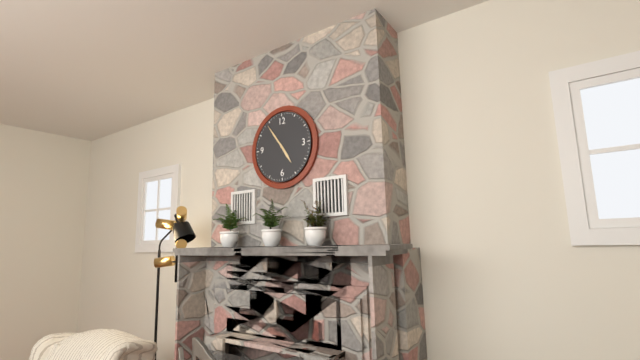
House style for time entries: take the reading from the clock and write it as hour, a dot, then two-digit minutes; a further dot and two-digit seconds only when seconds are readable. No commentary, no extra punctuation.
4.54
